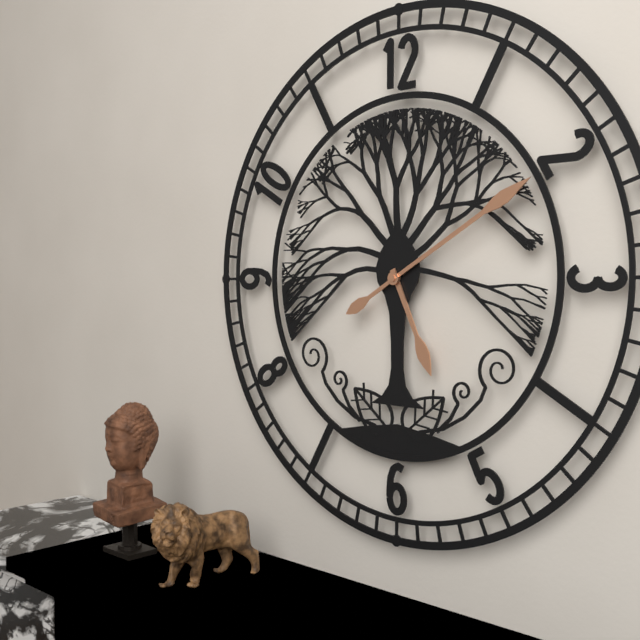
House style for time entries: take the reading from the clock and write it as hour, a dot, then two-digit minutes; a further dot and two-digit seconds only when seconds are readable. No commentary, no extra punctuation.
5.10
